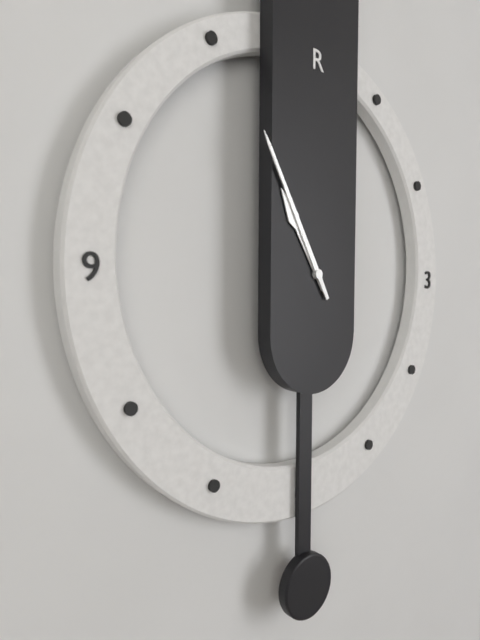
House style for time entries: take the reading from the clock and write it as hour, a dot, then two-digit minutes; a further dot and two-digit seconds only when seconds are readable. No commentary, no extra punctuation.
10.55
